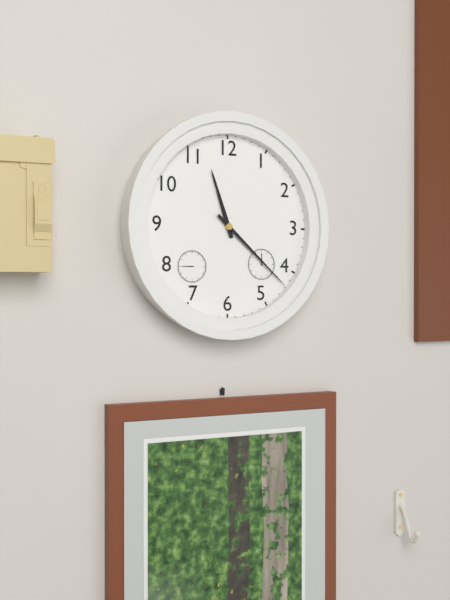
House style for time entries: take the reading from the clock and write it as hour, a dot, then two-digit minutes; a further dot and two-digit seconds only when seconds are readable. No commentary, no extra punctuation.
11.22
